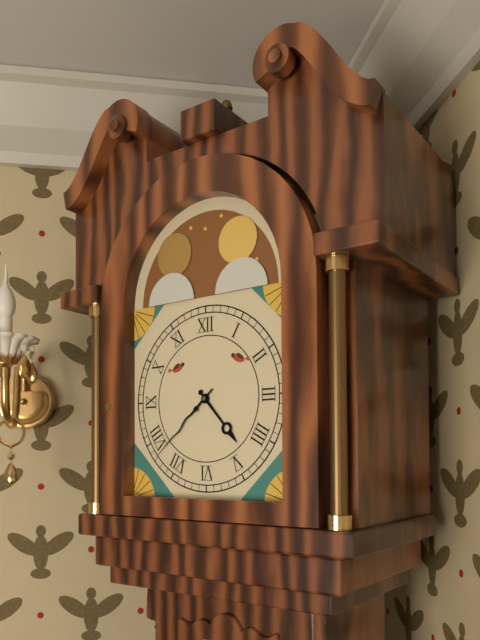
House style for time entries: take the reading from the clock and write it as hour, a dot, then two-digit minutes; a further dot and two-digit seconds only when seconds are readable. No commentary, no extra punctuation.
4.38
